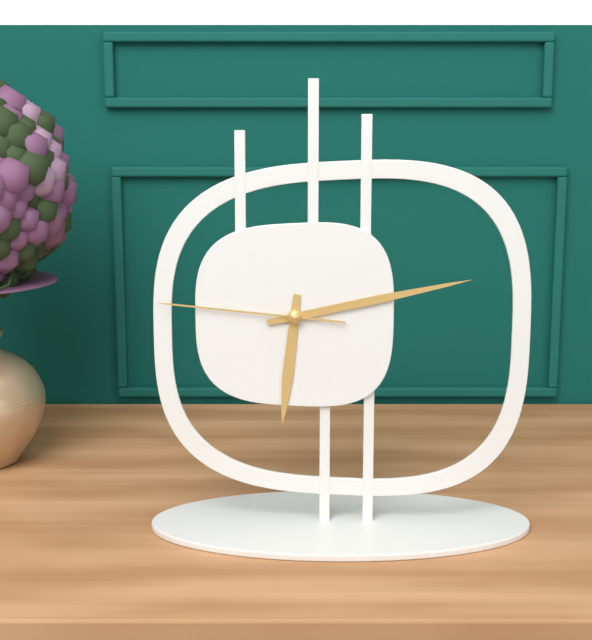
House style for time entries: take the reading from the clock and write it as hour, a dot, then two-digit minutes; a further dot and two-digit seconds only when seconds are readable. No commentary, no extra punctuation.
6.13.46
